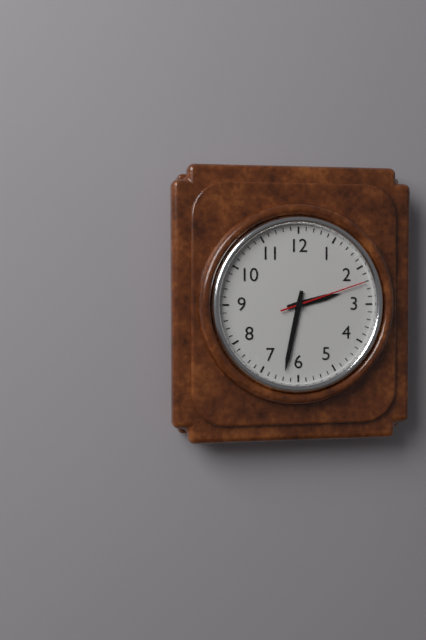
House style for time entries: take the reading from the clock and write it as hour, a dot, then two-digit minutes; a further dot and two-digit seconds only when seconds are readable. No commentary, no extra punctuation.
2.32.12
